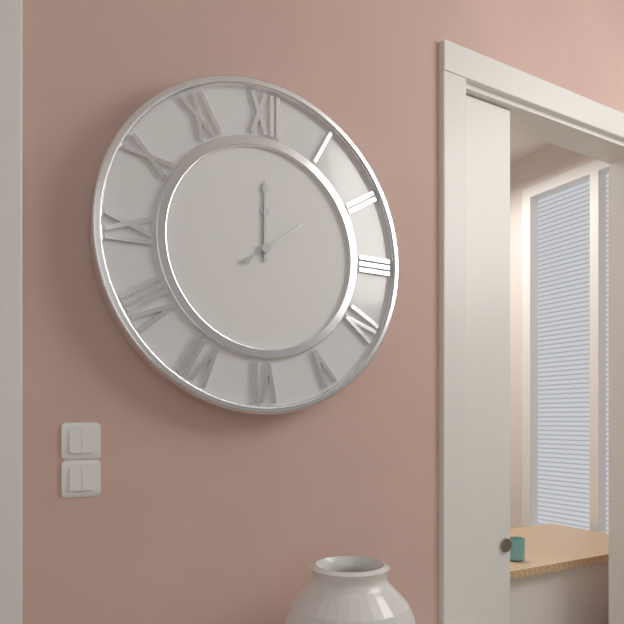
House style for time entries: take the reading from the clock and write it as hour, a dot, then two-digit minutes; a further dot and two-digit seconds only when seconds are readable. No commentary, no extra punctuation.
12.00.09
